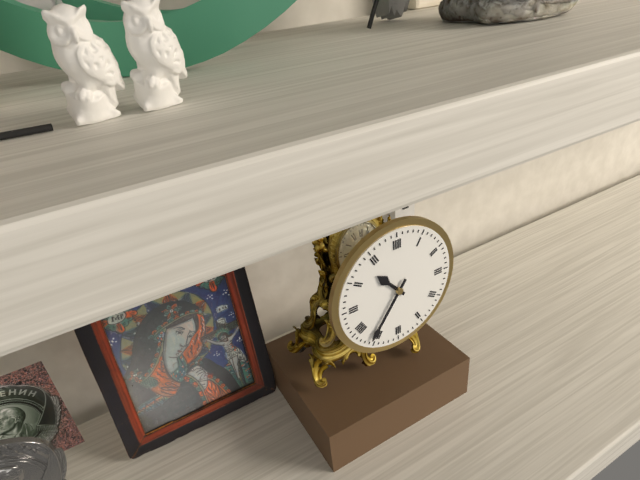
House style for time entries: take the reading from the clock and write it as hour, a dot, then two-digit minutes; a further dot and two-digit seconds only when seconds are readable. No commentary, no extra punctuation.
10.36
